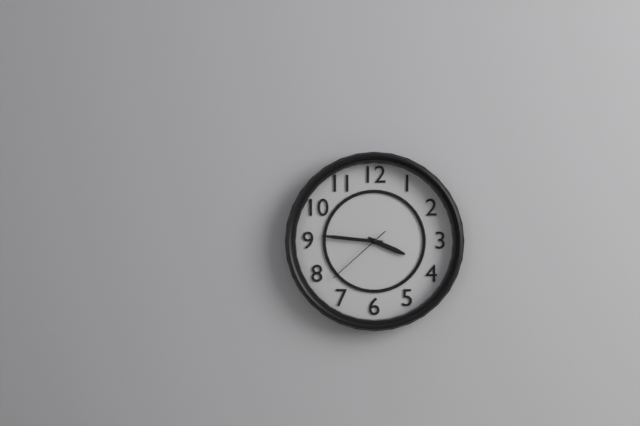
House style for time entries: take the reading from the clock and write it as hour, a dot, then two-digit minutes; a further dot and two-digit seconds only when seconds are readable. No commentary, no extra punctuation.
3.46.38
